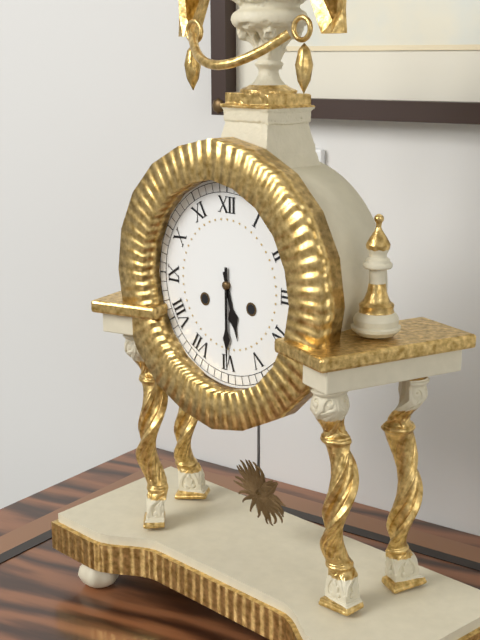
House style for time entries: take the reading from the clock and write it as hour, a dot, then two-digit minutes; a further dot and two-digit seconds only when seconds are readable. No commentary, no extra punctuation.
5.30
